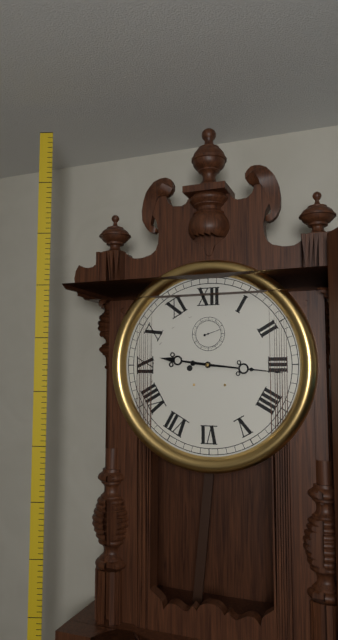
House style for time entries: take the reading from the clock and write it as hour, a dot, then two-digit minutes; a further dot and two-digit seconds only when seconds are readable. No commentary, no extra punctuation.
9.16
